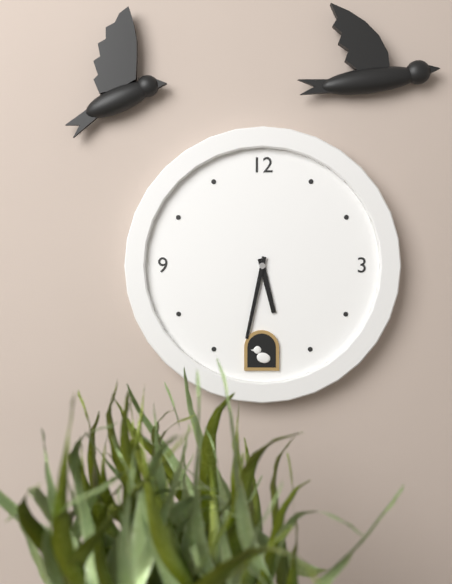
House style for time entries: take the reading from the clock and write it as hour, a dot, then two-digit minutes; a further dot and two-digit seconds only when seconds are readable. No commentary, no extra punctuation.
5.32
